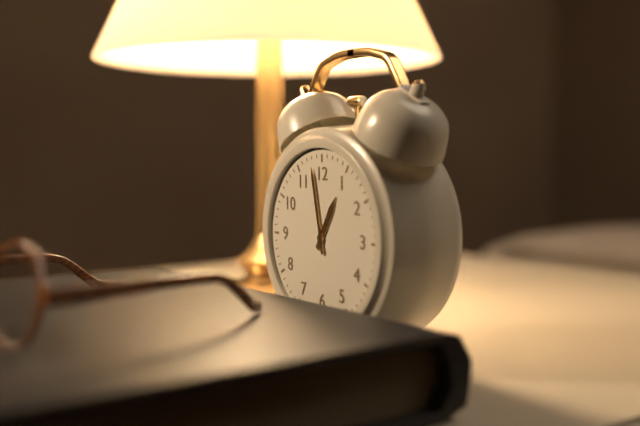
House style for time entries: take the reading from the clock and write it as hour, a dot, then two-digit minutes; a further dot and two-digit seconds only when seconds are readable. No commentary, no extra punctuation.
12.58
